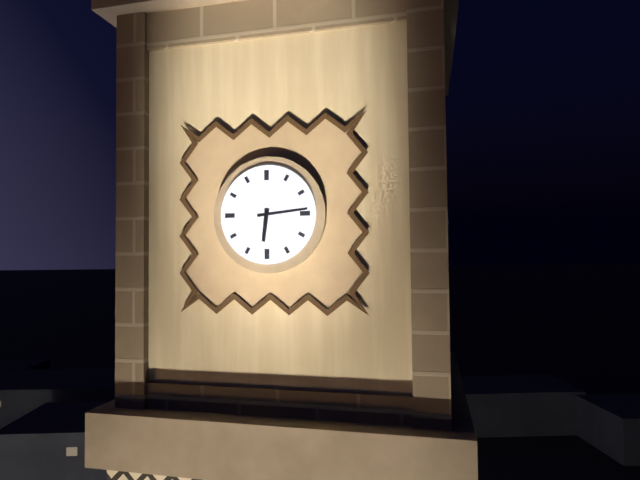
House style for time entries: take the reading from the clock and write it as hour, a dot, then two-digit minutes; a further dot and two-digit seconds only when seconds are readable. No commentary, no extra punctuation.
6.14
